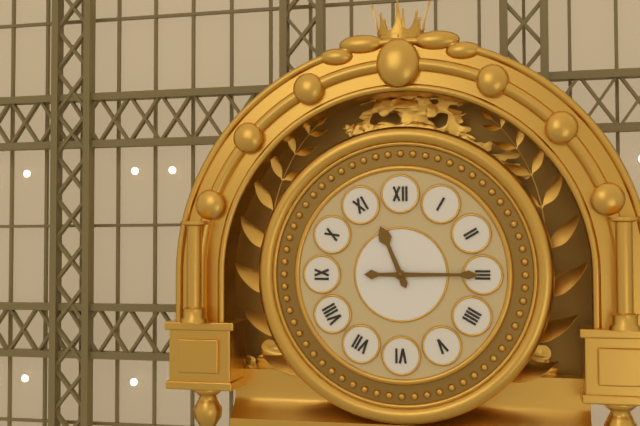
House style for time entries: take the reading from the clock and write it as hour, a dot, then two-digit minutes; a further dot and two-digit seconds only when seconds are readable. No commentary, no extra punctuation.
11.15
